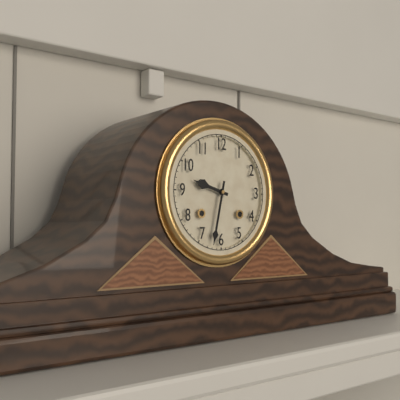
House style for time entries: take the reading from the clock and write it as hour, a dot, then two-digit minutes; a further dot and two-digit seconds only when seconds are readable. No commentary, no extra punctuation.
9.32
